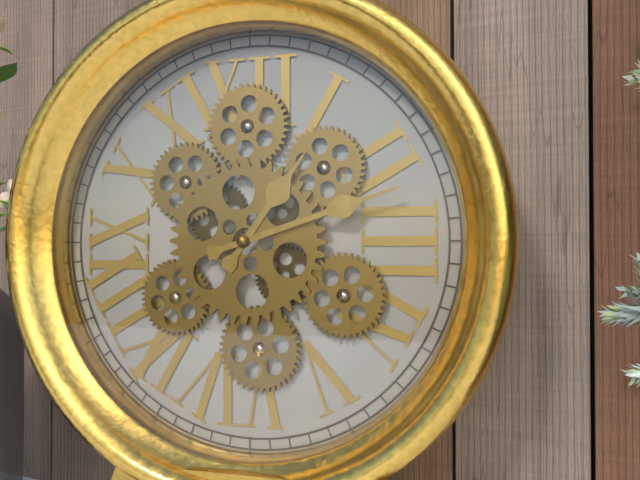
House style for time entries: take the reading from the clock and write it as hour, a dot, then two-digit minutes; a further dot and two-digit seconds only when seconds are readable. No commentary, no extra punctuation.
1.12
